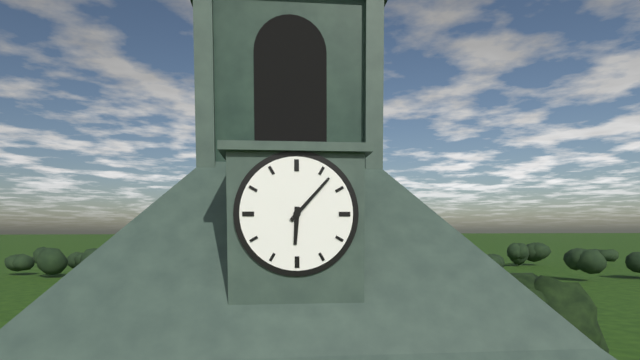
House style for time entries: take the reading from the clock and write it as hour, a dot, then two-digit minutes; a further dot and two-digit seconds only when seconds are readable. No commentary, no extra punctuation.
6.07
